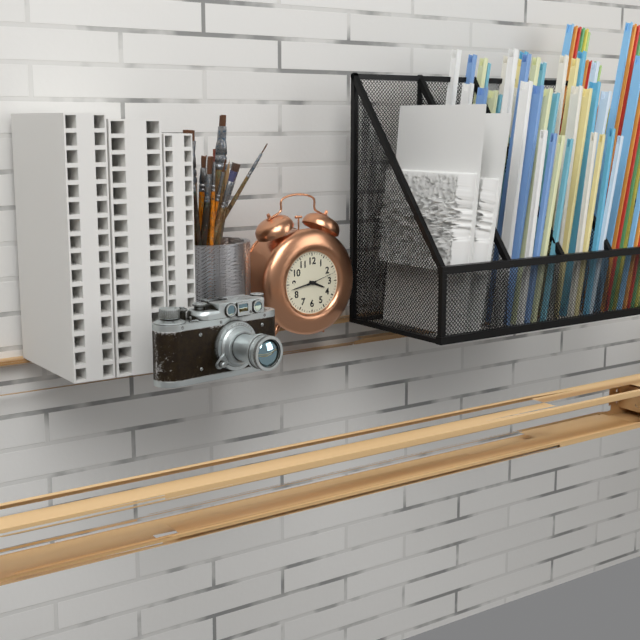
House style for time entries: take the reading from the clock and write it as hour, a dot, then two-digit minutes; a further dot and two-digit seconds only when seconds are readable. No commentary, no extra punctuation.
3.43
